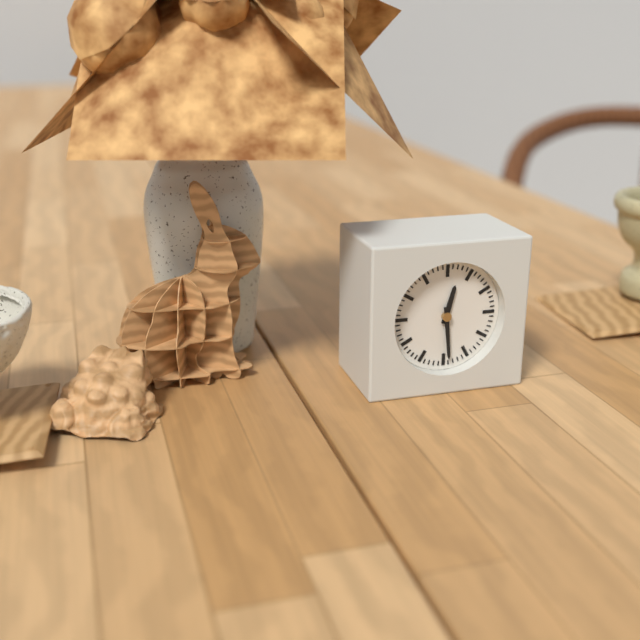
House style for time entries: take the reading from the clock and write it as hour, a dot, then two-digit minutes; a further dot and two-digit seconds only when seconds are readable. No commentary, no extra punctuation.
12.29
